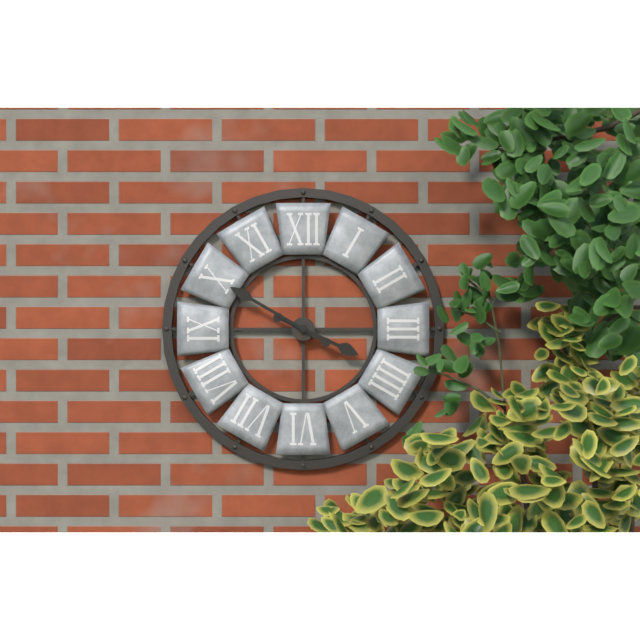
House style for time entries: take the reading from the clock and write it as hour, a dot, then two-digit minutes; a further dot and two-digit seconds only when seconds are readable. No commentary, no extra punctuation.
3.50
